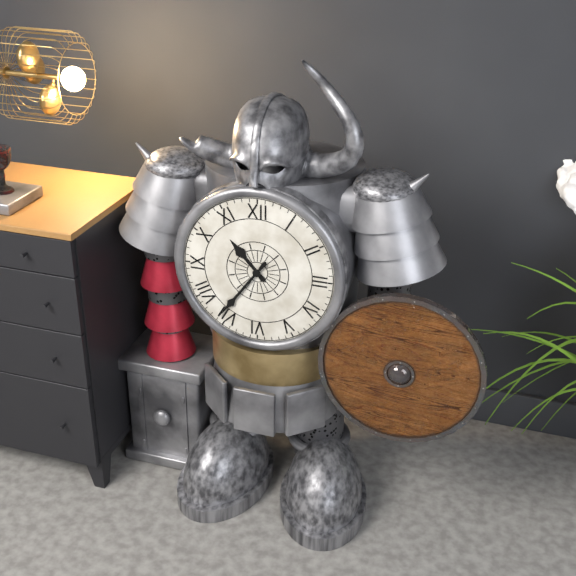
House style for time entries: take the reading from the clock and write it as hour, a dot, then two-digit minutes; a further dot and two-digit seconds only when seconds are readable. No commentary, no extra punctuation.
10.36
